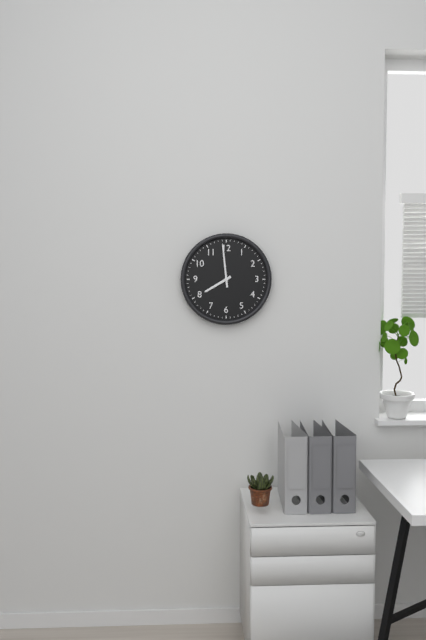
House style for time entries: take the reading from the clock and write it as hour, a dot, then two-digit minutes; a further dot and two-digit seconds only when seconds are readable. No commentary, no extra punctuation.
7.59
